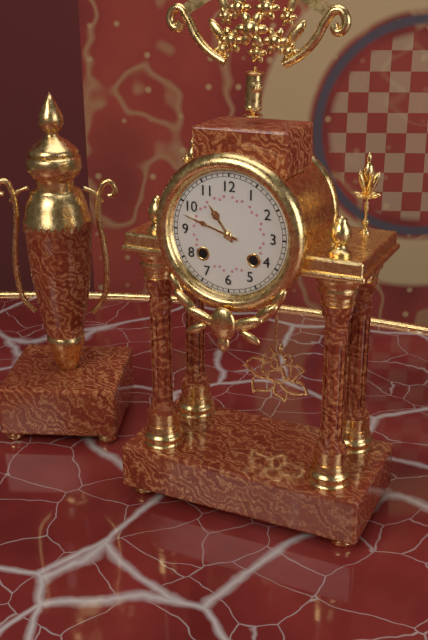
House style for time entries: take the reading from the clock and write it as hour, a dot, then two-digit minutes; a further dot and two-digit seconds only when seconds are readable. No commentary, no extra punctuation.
10.48
